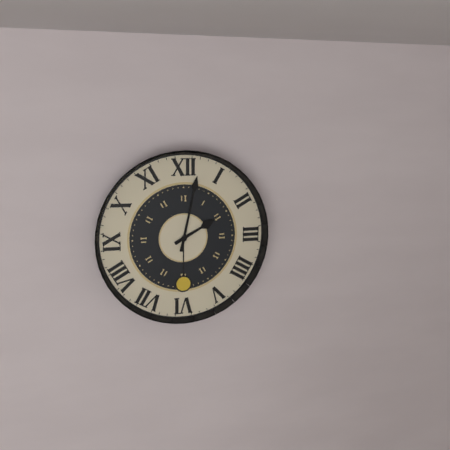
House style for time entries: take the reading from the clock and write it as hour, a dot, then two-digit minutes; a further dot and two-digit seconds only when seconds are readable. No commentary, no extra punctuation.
2.02
